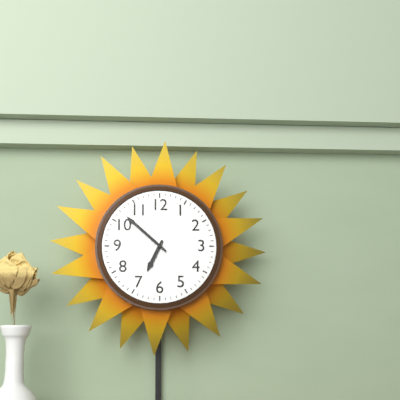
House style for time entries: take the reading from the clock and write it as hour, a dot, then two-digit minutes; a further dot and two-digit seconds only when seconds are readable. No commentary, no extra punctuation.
6.52
